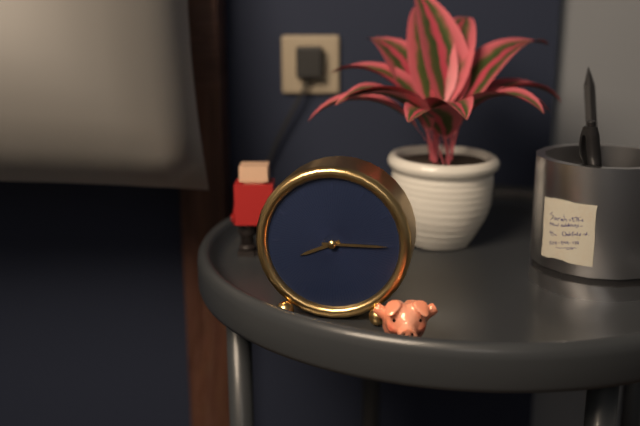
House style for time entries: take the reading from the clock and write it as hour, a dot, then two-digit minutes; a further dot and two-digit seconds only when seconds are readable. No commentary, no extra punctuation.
8.15
